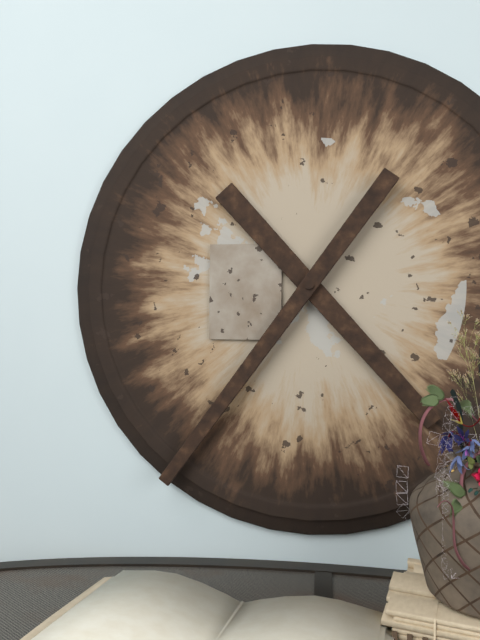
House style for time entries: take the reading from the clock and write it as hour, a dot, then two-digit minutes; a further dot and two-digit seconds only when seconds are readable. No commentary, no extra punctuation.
4.36
